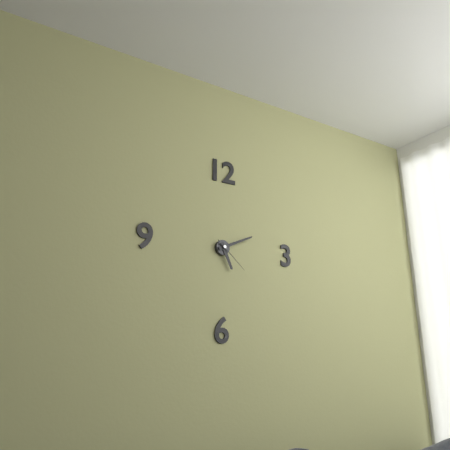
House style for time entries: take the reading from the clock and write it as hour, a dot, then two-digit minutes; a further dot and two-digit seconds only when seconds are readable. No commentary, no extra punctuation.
5.11
